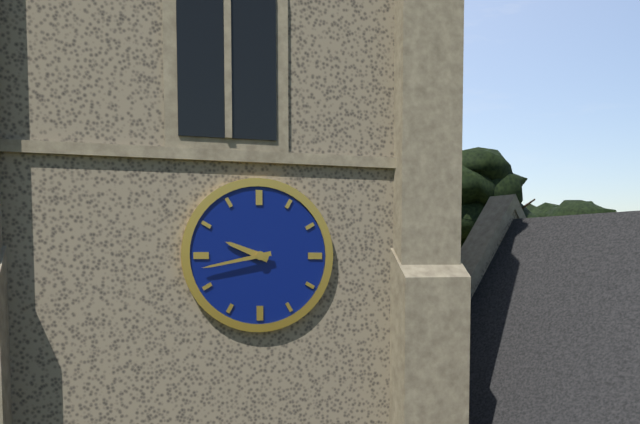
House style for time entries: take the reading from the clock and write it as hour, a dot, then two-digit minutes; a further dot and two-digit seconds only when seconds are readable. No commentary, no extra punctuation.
9.43
